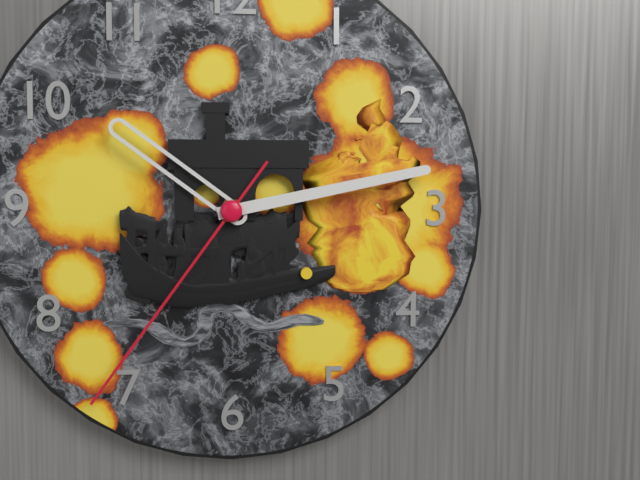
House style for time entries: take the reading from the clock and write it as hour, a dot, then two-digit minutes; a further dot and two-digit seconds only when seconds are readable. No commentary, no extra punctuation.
10.13.36
